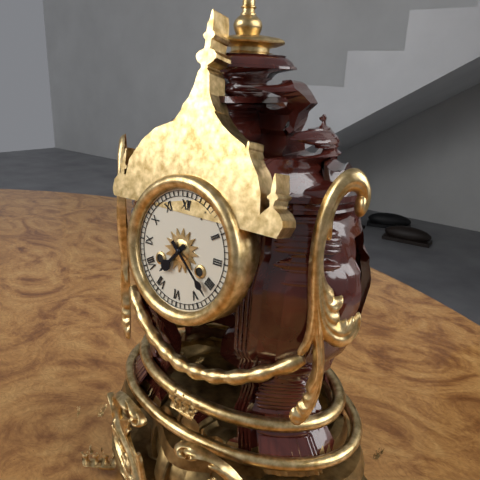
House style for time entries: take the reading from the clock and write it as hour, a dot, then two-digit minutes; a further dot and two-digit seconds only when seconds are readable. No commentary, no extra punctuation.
7.22
